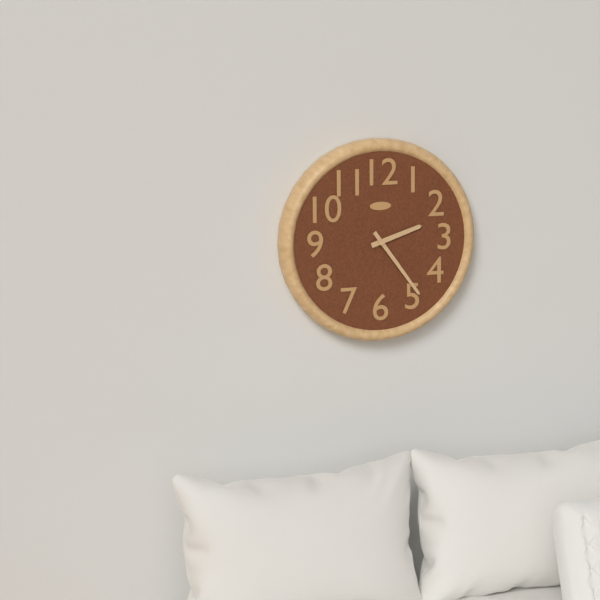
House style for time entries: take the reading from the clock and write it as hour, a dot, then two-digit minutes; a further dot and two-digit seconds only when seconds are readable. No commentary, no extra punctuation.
2.24
